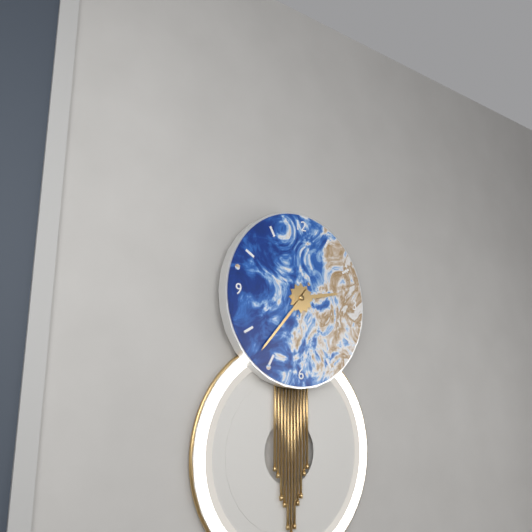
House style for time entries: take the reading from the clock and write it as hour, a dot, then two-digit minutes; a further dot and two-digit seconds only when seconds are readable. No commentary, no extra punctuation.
2.37
